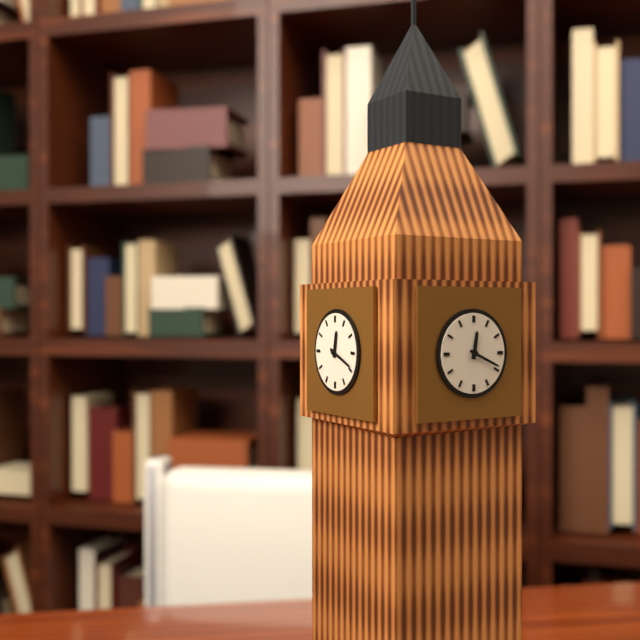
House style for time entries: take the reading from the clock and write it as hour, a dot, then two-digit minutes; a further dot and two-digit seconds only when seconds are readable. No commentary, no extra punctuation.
12.19
